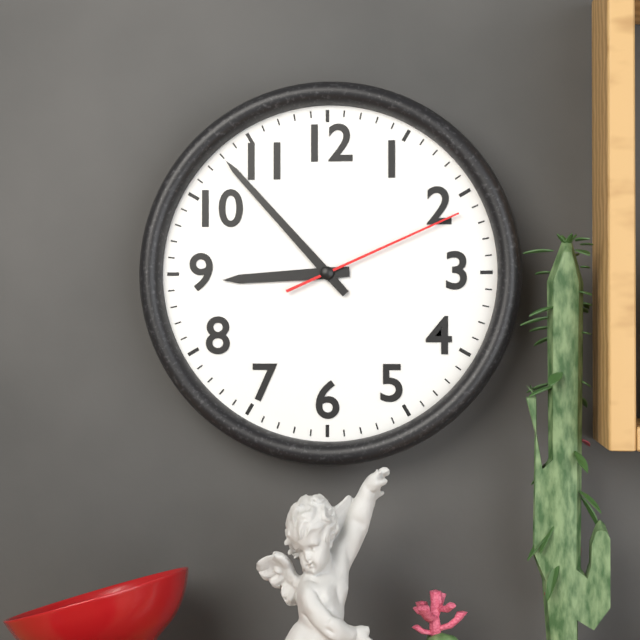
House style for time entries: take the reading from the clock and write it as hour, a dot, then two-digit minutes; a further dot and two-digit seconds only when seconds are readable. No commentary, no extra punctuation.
8.53.11
